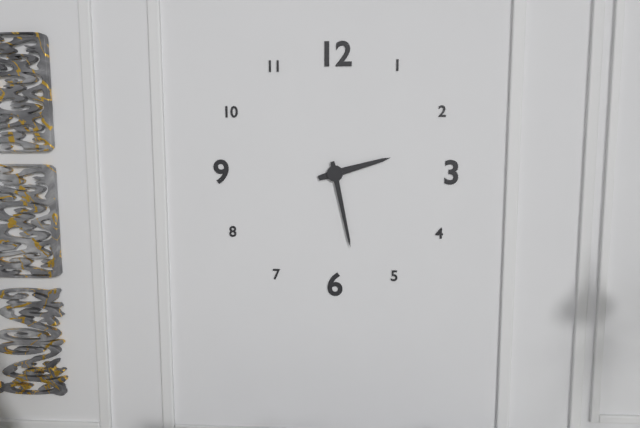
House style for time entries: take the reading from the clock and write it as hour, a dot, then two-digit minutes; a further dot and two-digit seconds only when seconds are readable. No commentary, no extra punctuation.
2.28
